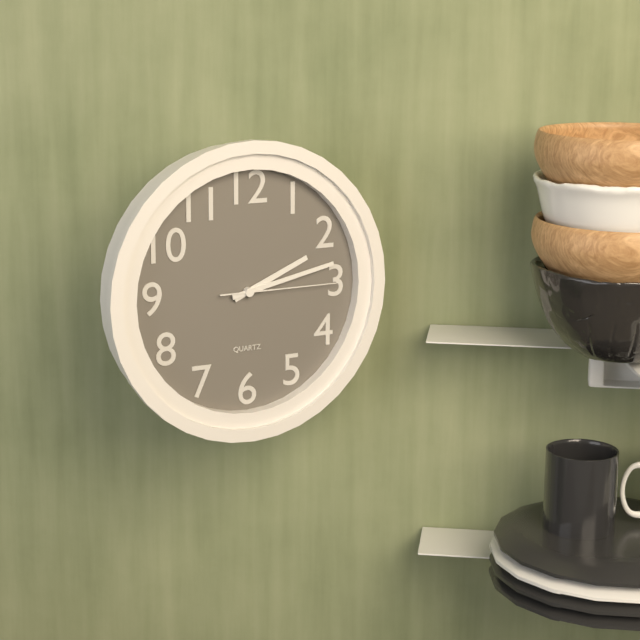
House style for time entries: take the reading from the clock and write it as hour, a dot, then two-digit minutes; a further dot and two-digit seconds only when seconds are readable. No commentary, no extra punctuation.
2.13.15
